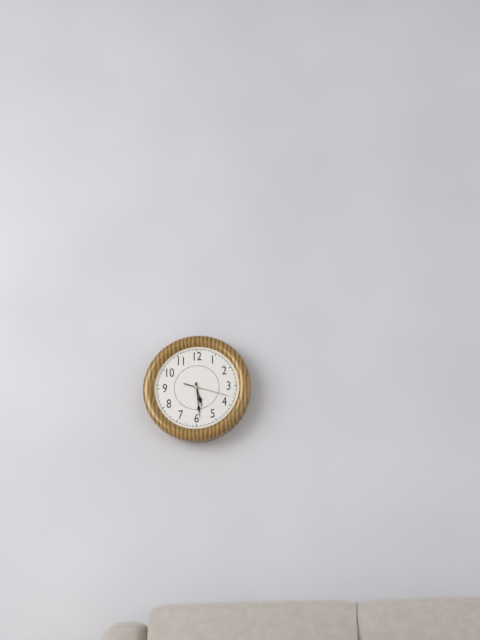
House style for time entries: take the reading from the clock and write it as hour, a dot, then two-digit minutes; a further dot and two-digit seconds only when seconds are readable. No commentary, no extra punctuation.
5.29
